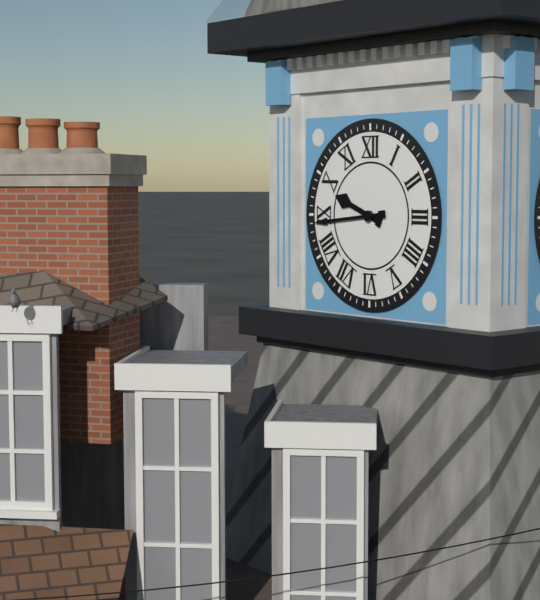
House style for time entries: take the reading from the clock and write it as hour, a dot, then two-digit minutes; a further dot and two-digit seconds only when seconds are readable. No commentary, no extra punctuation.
9.44
